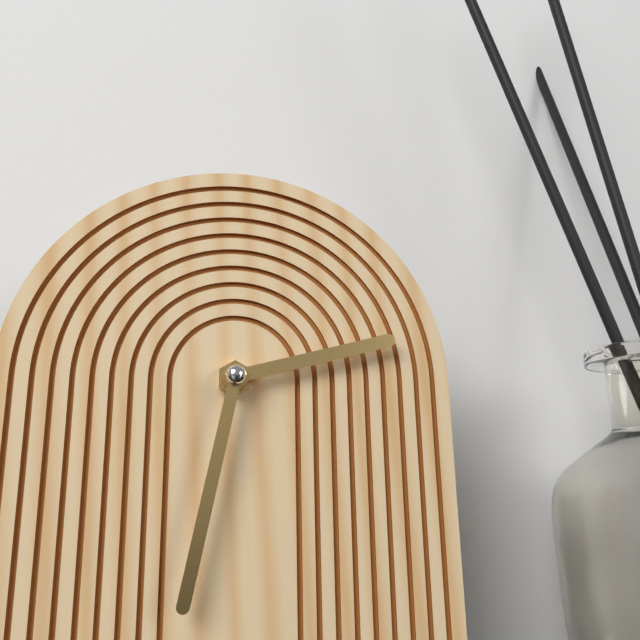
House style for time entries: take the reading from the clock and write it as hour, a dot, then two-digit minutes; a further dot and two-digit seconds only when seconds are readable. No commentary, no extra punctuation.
2.32
